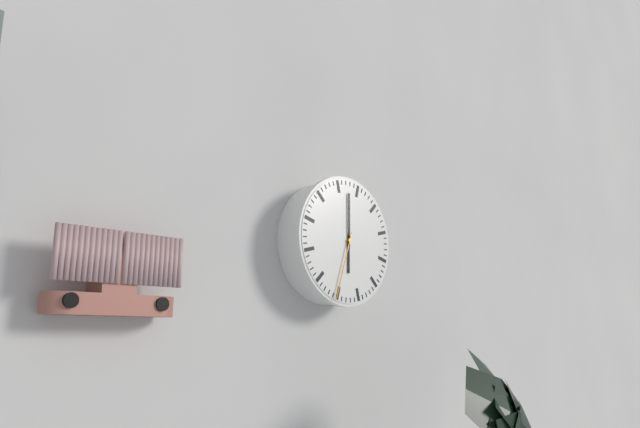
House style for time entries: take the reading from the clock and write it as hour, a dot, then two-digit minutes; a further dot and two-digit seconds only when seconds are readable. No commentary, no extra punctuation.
6.00.33
